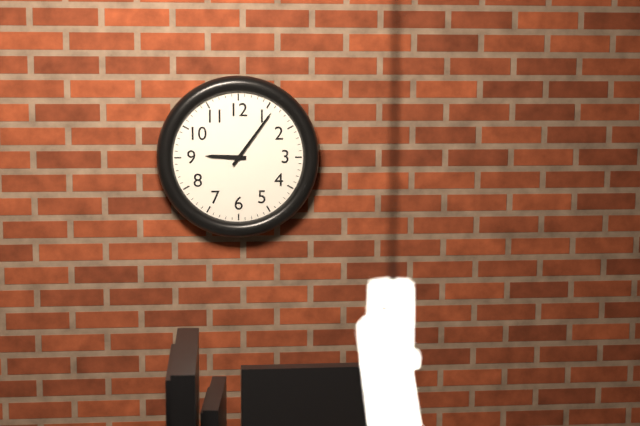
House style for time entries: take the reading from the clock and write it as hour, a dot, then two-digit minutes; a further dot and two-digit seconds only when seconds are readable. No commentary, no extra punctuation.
9.06
